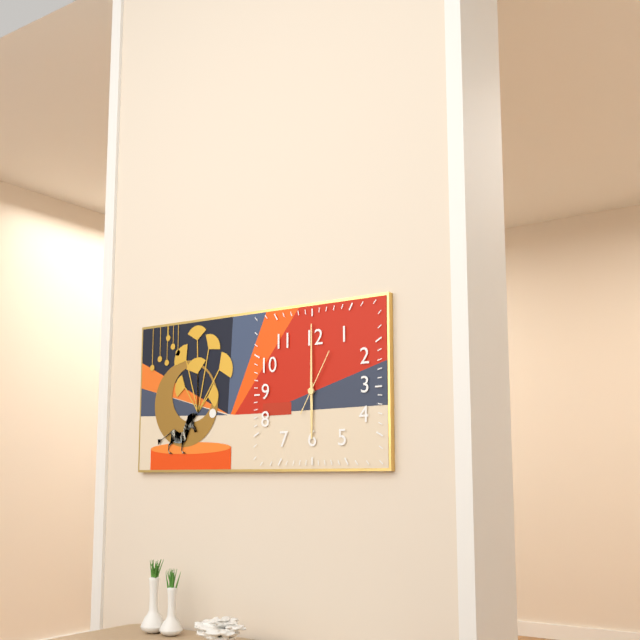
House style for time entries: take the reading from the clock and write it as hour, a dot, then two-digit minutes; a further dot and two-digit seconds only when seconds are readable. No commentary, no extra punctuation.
6.00.05
